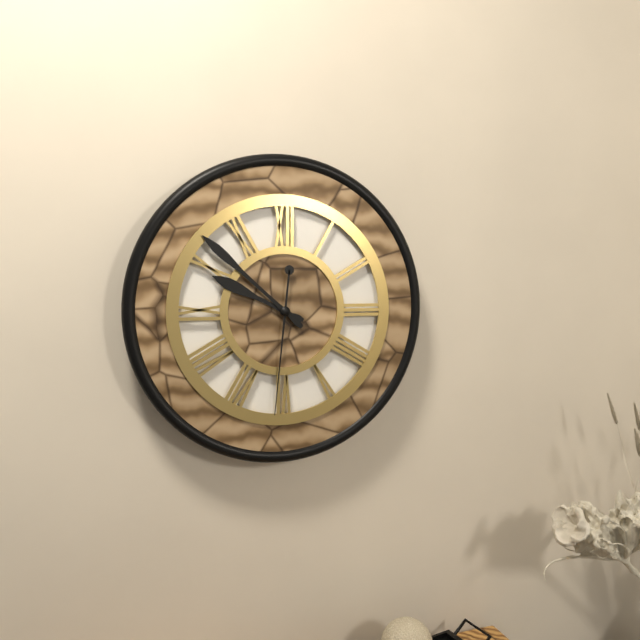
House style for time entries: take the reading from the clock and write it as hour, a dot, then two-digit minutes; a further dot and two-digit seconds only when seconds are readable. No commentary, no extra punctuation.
9.52.31
